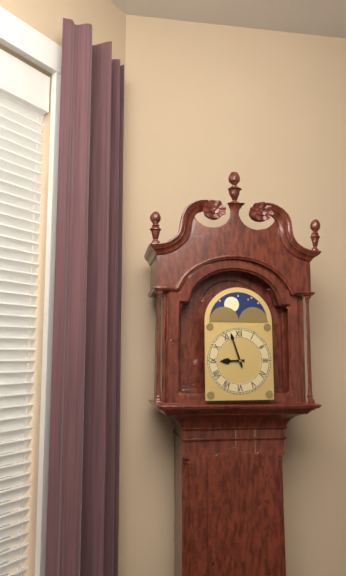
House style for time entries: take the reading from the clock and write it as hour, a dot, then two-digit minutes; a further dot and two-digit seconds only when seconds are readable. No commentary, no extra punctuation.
8.57
